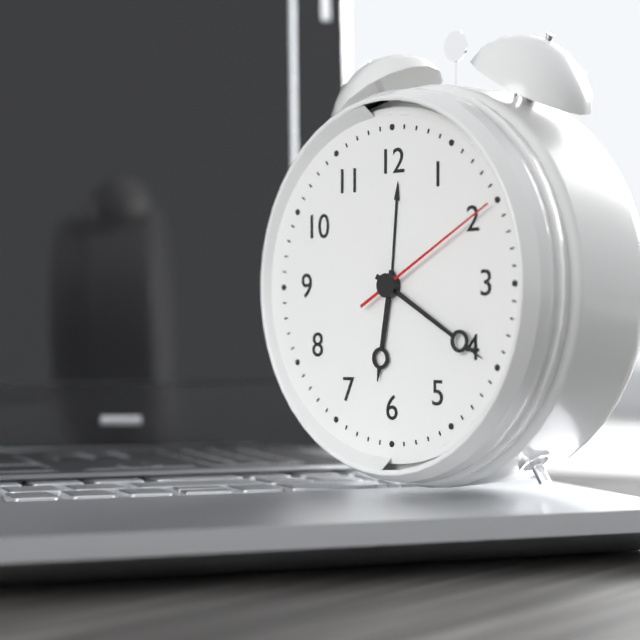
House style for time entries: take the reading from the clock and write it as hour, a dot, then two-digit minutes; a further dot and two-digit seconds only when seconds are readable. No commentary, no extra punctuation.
6.20.10
